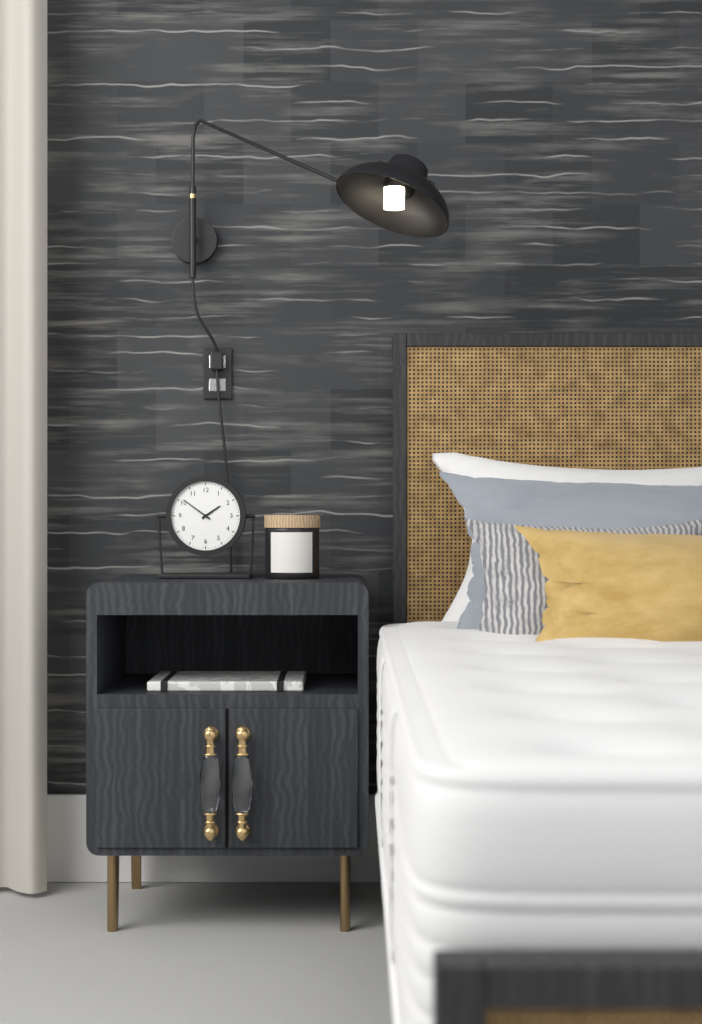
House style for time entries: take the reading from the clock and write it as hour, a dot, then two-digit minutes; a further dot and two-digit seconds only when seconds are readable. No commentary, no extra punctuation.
1.51
